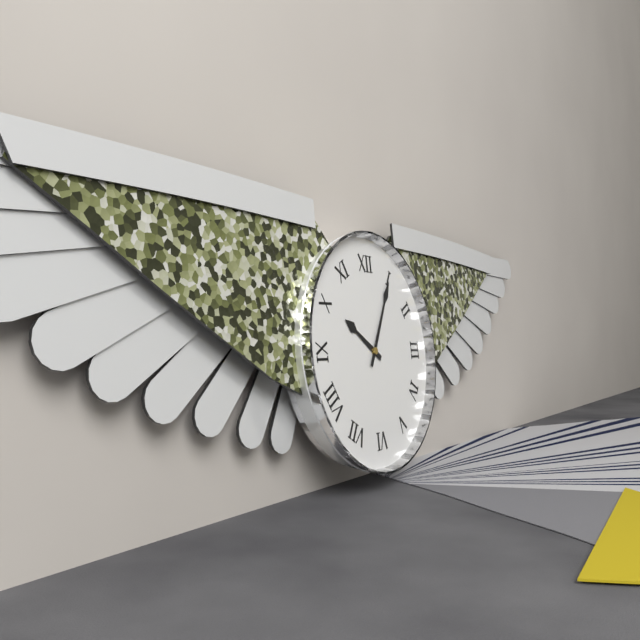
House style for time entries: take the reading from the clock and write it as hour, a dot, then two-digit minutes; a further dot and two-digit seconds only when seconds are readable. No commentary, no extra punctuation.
10.05
